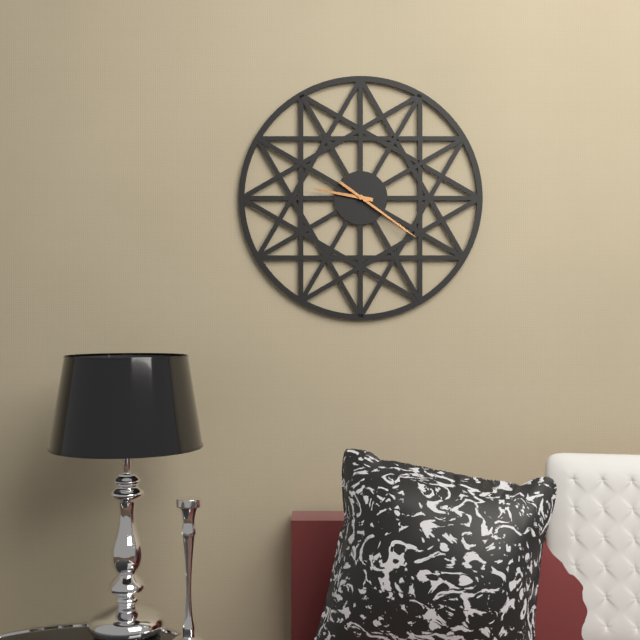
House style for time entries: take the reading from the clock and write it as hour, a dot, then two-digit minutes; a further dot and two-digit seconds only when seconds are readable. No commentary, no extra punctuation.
9.21
